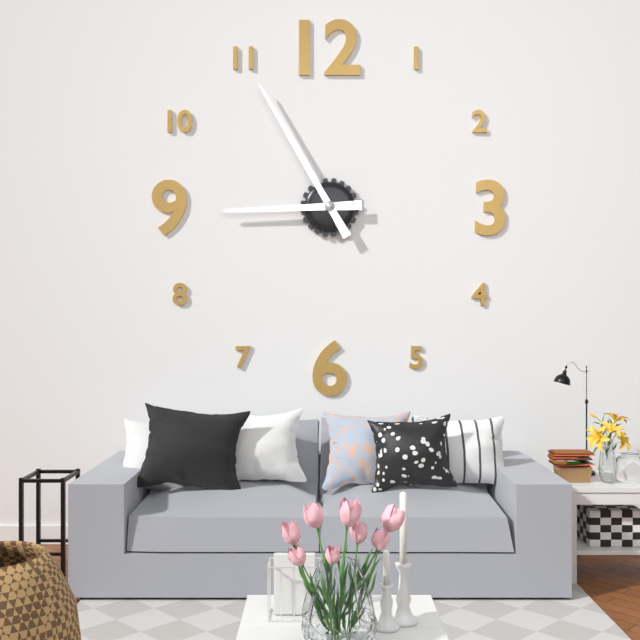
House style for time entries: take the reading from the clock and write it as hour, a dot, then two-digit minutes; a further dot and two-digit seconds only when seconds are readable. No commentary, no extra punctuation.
8.55
